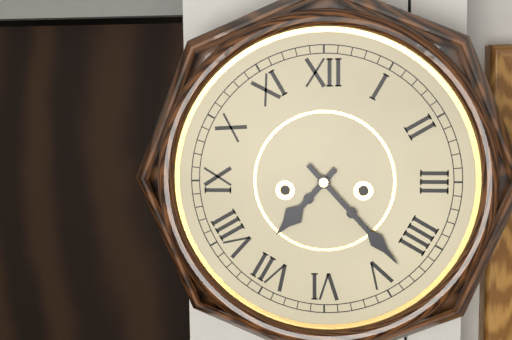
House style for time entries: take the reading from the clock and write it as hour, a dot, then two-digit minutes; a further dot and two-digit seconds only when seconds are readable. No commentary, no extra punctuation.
7.23
